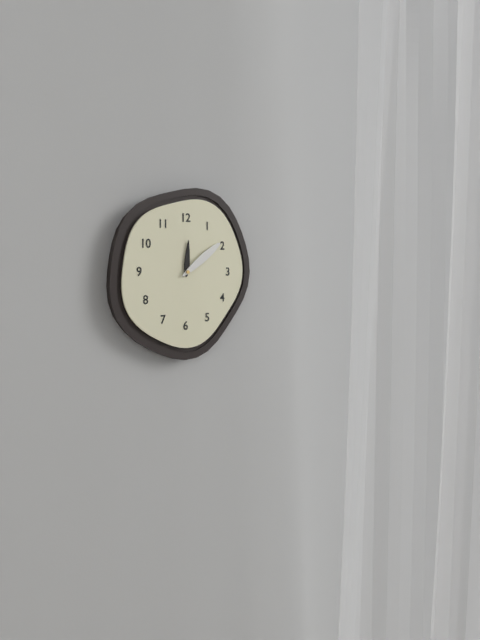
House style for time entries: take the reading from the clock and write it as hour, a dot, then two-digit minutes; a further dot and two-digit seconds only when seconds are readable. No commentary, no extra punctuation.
12.09
